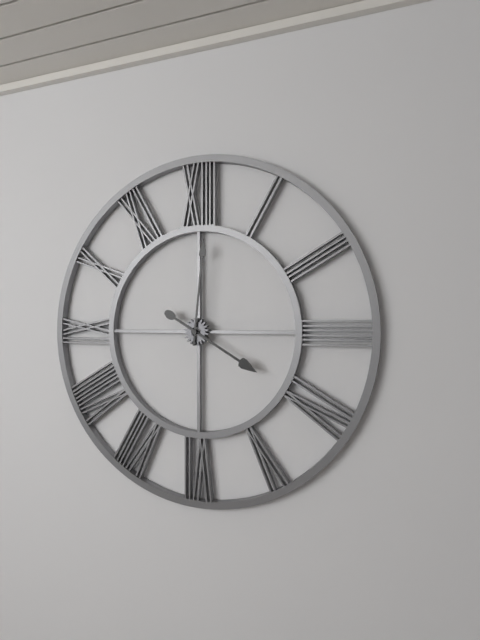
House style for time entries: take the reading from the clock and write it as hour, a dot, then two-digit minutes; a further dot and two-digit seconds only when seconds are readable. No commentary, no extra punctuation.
4.01
